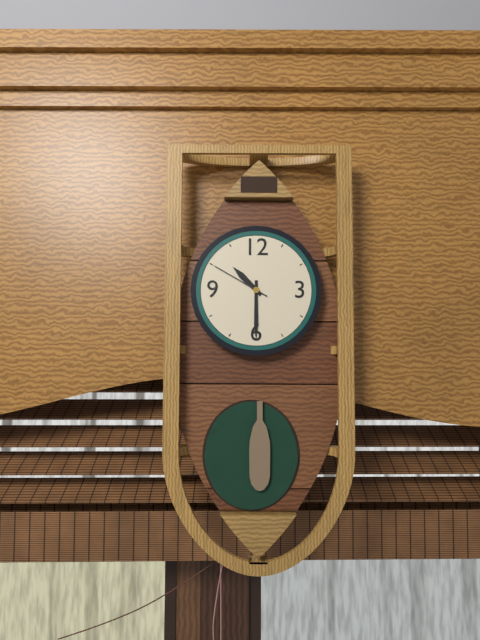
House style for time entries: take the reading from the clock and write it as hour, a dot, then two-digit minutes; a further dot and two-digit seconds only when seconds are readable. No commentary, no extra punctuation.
10.30.50
